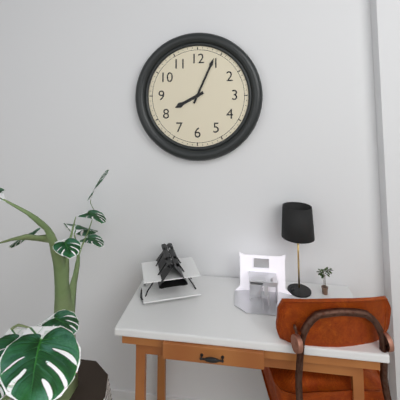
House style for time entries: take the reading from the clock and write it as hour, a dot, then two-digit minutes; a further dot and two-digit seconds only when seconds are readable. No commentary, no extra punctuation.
8.04
